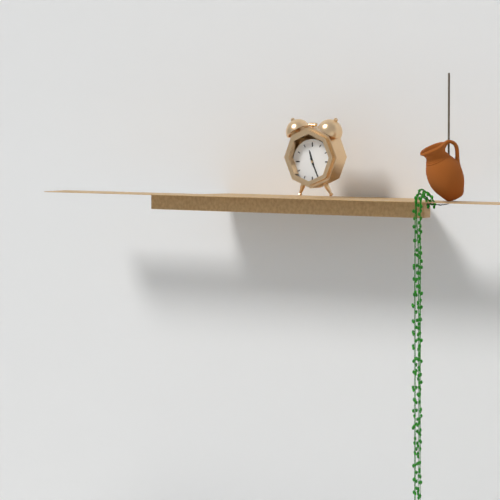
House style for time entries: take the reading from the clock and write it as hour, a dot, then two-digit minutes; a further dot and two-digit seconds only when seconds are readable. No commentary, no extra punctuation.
11.26
